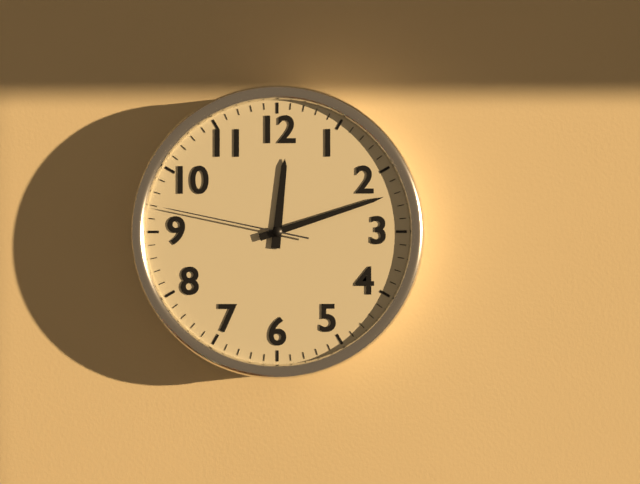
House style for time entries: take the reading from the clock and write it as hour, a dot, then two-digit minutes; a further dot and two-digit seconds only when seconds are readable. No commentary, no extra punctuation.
12.12.47
